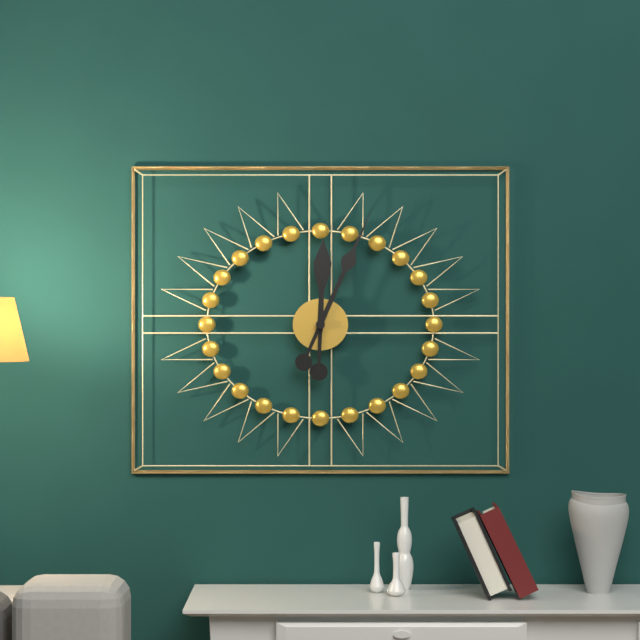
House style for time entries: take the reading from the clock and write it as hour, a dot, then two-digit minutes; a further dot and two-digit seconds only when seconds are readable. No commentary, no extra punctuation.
12.04
